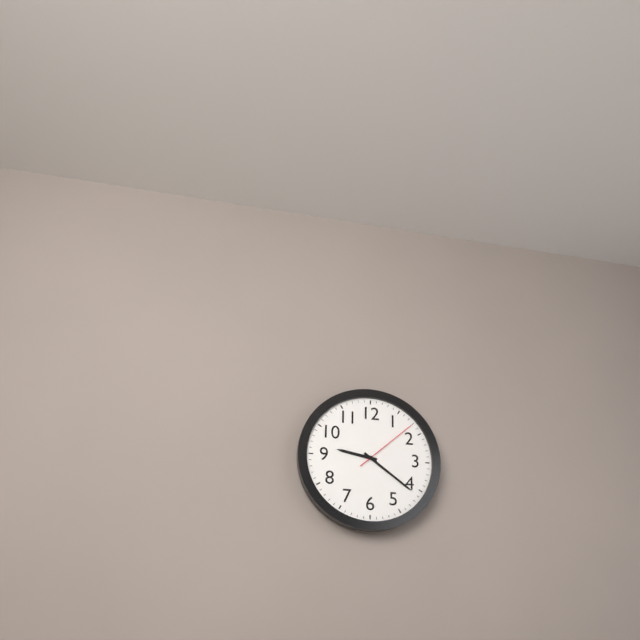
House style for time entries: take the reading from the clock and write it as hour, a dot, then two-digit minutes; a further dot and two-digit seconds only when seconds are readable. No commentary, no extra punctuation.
9.21.08
